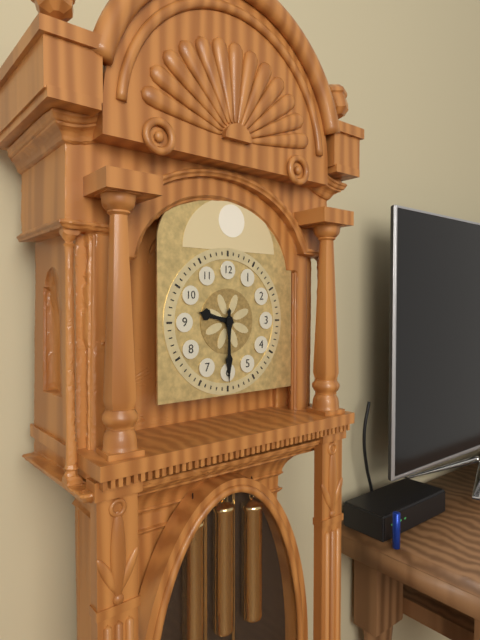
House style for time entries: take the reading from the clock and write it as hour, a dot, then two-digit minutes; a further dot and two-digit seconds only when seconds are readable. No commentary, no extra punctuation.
9.30
